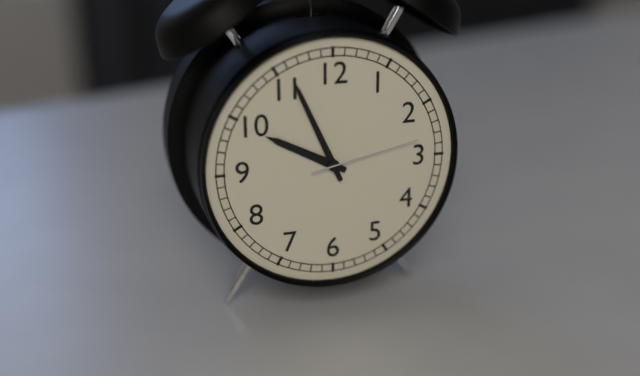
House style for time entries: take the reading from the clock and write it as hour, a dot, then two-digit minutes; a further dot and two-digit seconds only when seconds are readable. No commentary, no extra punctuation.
9.56.13
